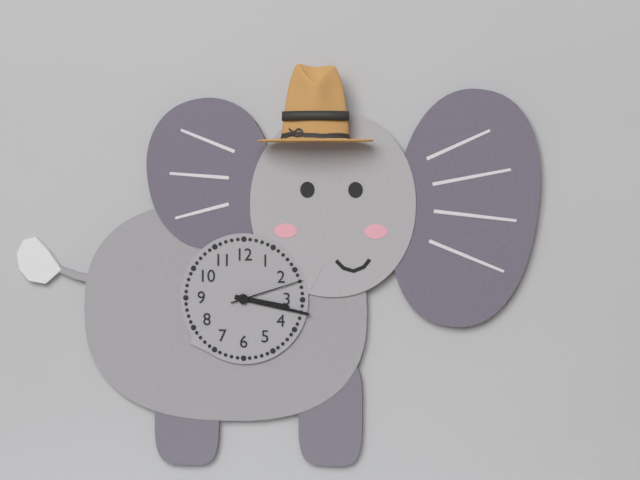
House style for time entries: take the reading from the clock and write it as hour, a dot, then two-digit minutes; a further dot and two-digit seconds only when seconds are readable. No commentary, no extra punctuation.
3.17.12
